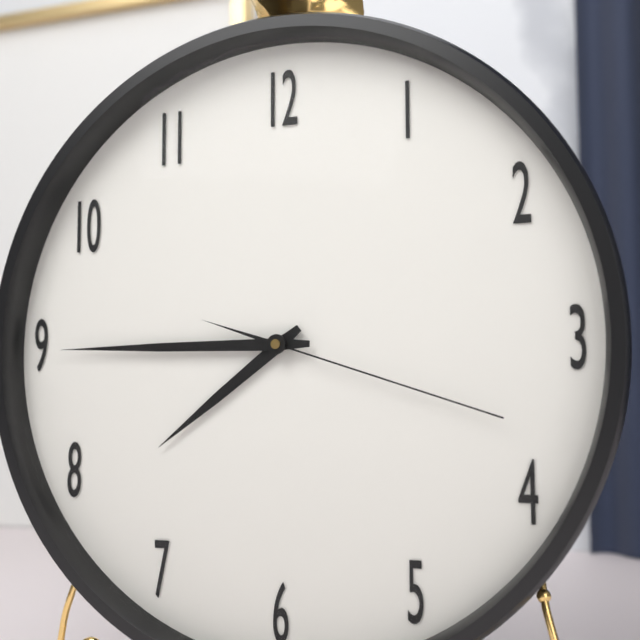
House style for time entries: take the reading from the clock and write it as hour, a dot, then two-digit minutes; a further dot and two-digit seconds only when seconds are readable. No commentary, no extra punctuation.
7.45.18
